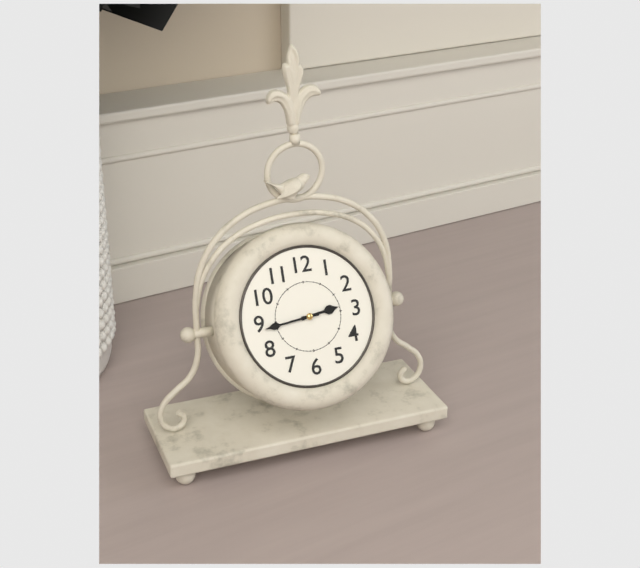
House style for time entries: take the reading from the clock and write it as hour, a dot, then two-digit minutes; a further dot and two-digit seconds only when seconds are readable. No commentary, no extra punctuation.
2.44
